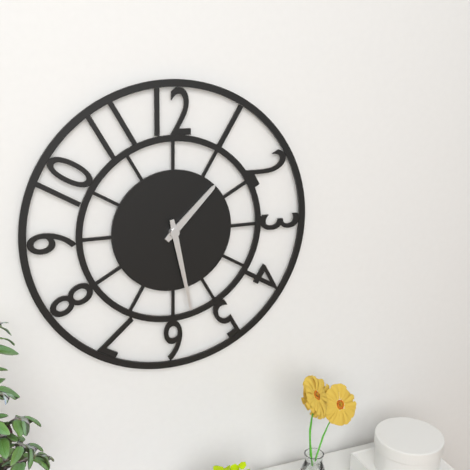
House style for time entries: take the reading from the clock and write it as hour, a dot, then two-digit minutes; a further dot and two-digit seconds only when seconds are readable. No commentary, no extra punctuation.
1.28
